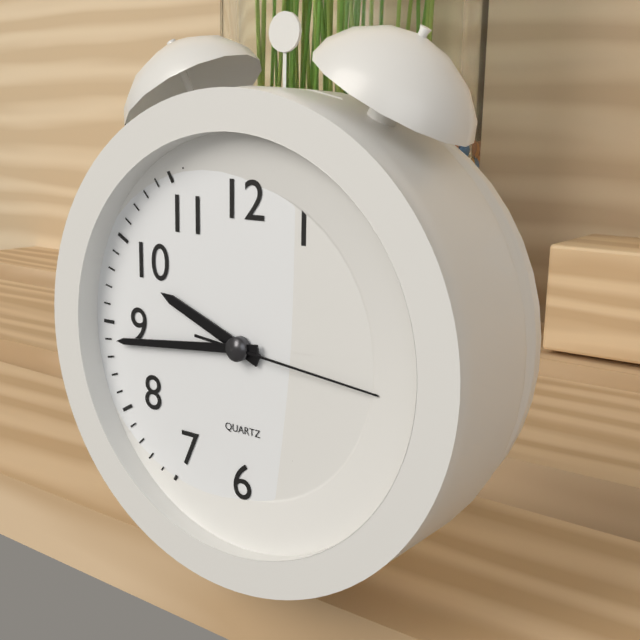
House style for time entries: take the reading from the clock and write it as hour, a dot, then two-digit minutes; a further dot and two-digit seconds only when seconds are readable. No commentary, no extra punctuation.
9.44.16
